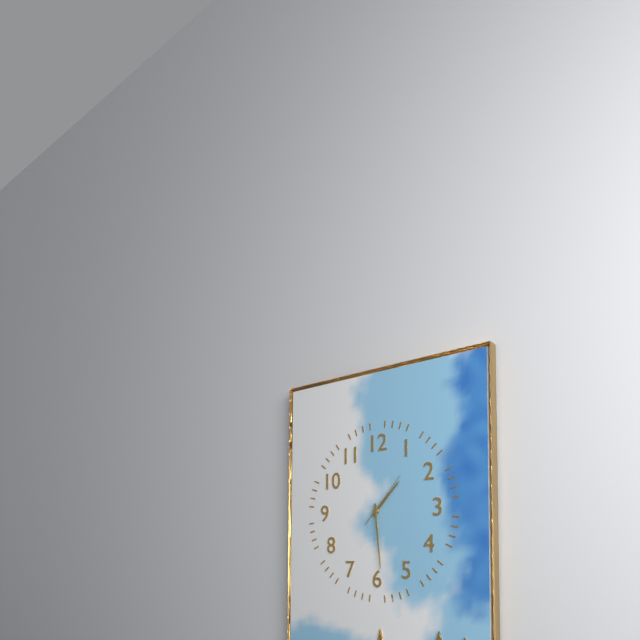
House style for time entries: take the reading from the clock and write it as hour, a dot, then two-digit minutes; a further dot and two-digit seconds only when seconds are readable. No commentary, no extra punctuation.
1.29.07
